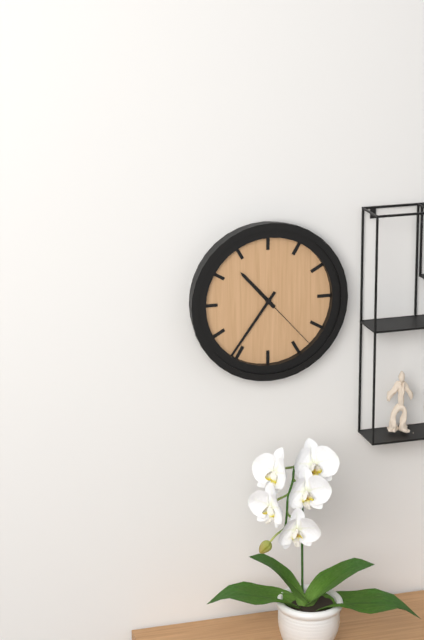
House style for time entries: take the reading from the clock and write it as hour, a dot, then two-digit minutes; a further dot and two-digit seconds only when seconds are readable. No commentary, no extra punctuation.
10.36.23
